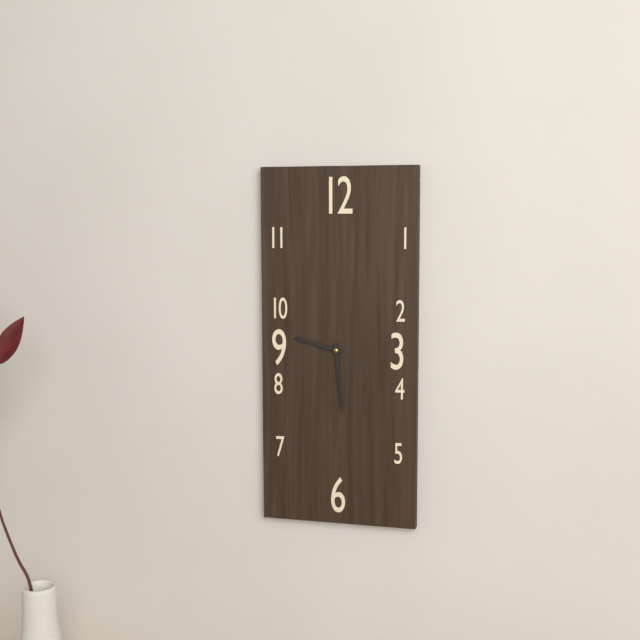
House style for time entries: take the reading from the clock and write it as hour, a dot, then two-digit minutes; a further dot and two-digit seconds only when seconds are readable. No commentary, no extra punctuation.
9.29
